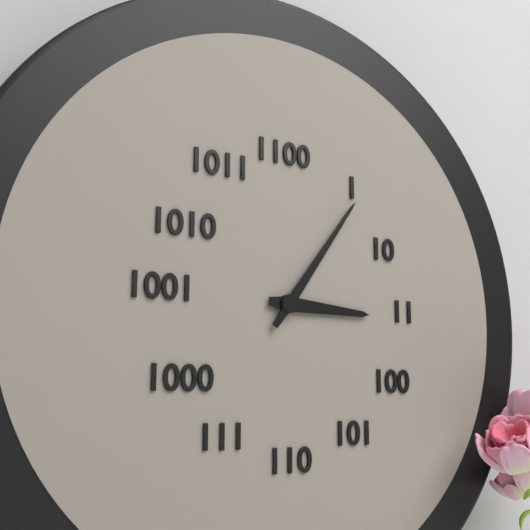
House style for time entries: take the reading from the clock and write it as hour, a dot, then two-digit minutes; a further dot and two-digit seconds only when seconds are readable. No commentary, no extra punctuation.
3.06
